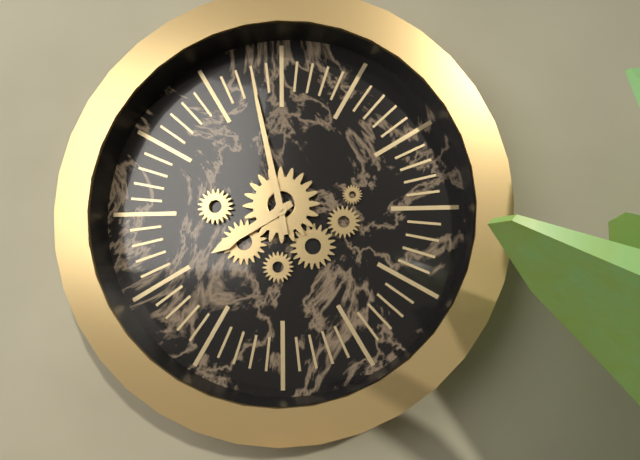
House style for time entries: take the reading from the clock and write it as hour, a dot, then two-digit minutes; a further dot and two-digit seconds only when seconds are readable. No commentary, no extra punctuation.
7.58
